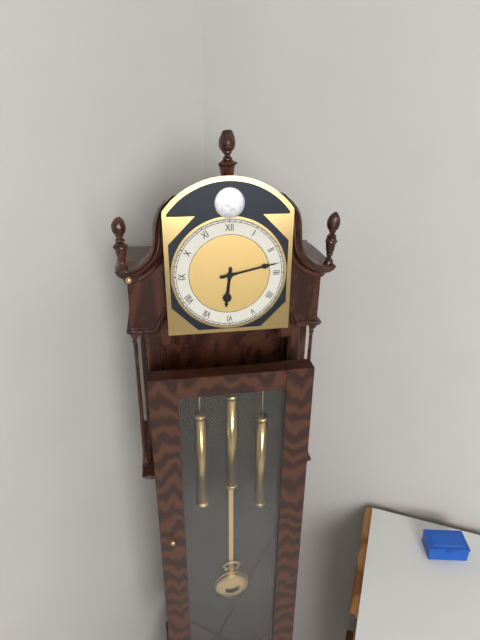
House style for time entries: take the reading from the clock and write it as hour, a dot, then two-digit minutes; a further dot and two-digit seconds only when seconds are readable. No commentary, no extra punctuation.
6.13
